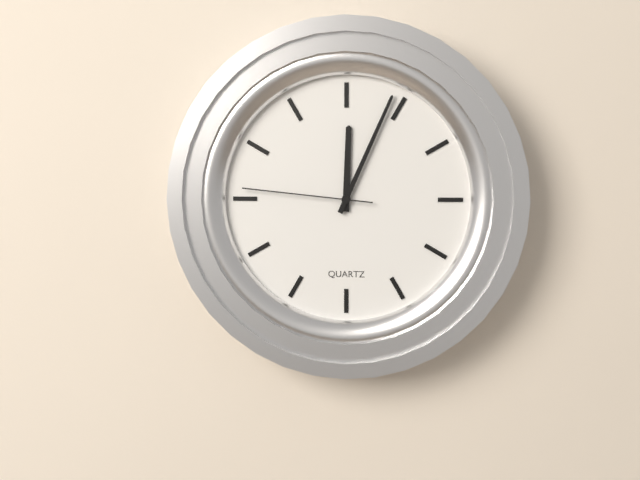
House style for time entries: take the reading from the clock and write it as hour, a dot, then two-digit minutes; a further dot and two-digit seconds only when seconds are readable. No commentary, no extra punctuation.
12.04.46
